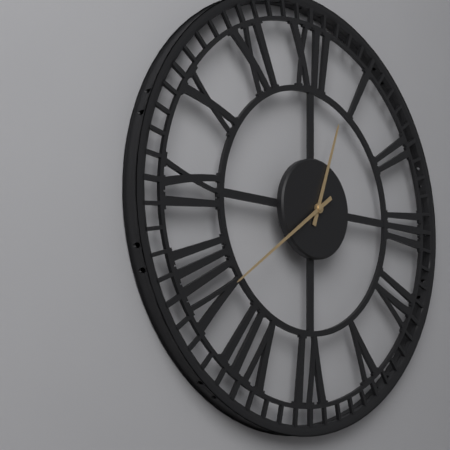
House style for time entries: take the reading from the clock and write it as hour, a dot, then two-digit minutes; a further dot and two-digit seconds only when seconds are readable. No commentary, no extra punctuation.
12.39
